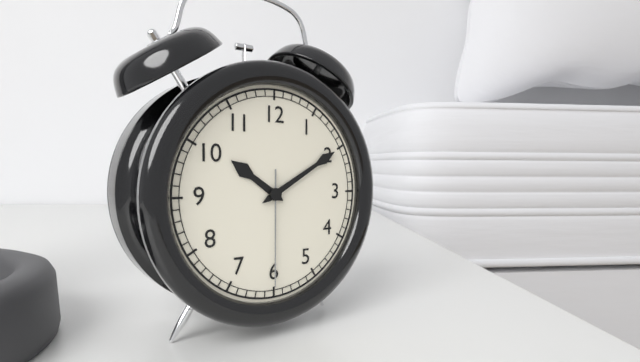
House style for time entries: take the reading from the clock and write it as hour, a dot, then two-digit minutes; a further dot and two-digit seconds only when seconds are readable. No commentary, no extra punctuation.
10.10.30
